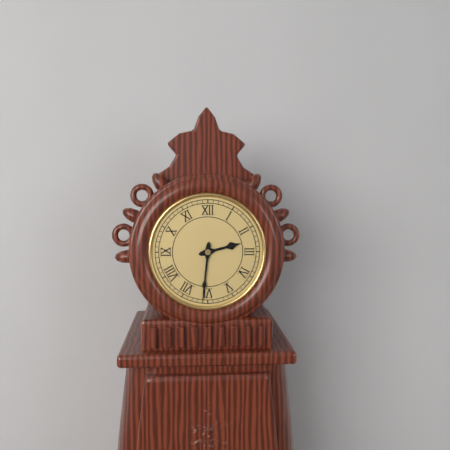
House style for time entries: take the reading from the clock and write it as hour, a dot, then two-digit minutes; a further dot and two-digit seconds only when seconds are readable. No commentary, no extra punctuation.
2.31
